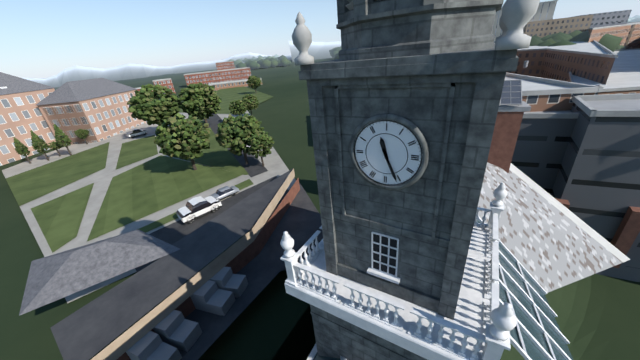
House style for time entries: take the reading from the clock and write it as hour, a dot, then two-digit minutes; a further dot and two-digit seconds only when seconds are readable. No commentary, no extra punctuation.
11.26
